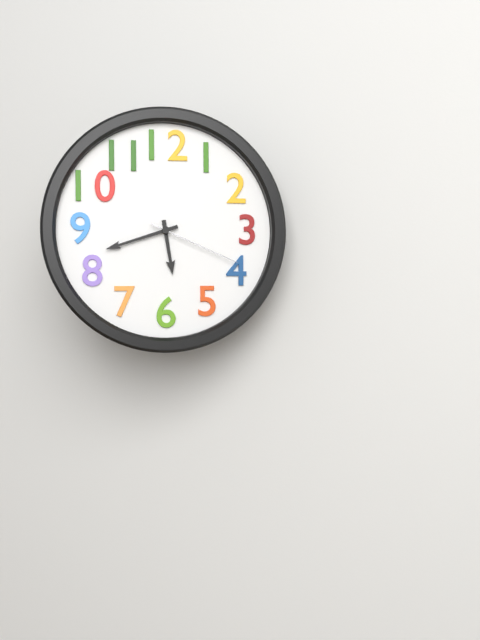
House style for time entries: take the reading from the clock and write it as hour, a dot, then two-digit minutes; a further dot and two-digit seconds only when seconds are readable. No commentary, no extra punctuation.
5.42.19
